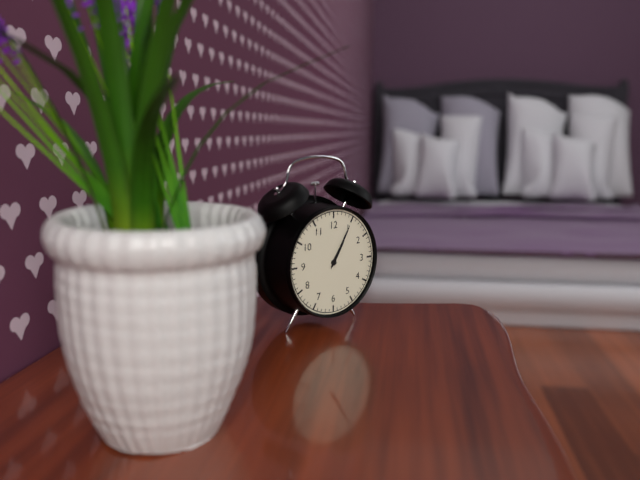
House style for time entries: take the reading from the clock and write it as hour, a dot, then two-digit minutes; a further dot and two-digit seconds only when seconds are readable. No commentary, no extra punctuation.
1.05
